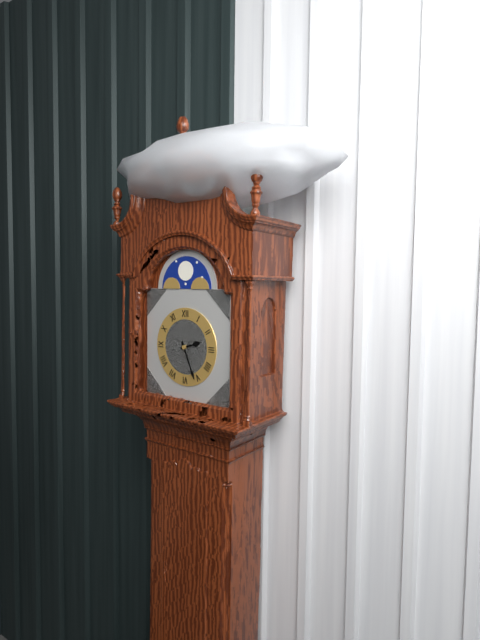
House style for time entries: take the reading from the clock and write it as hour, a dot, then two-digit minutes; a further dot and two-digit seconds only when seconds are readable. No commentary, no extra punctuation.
2.26
